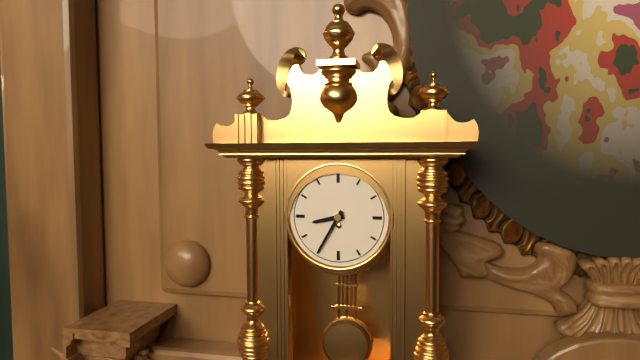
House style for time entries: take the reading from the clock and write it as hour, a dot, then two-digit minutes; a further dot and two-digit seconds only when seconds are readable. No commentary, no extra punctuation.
8.35
